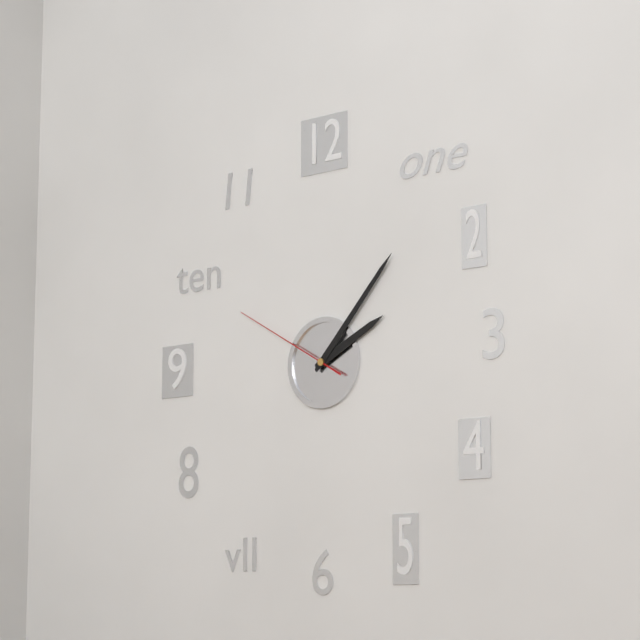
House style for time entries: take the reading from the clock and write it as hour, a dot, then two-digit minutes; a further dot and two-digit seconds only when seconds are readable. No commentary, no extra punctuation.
2.07.50
